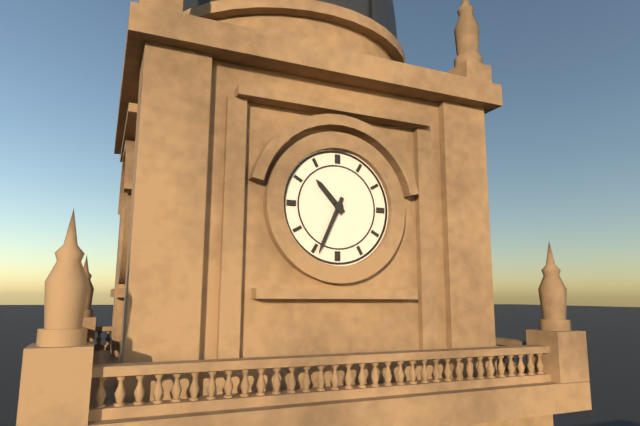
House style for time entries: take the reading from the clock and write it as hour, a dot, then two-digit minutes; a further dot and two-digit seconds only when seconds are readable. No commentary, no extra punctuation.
10.34
